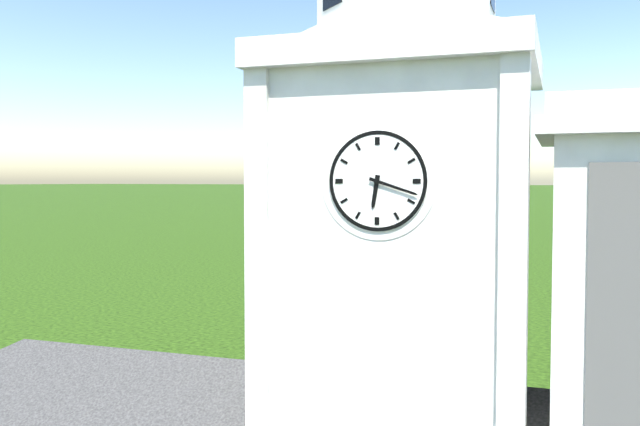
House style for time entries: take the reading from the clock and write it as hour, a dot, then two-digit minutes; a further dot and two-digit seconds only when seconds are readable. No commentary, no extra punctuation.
6.18
